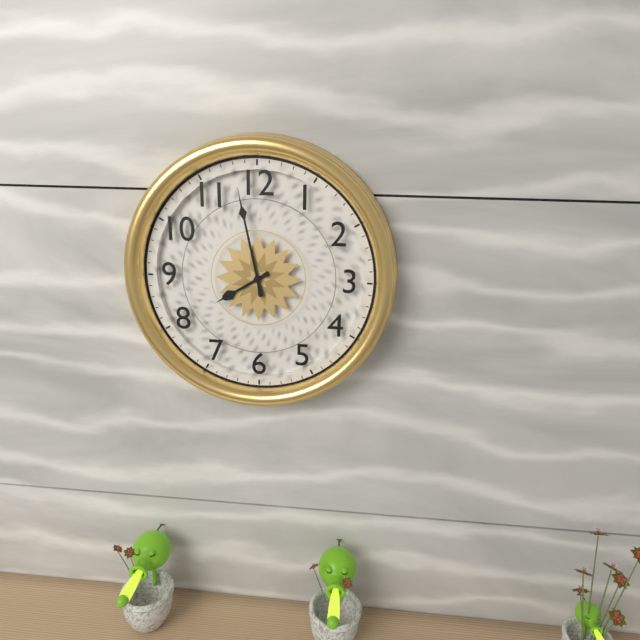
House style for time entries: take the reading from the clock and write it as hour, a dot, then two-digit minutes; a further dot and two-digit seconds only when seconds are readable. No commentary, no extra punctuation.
7.58
